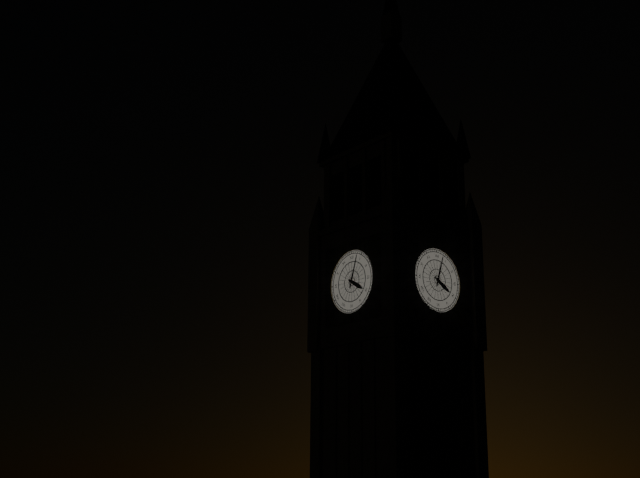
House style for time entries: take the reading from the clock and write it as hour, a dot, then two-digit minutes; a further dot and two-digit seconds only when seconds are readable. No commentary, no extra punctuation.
4.03
